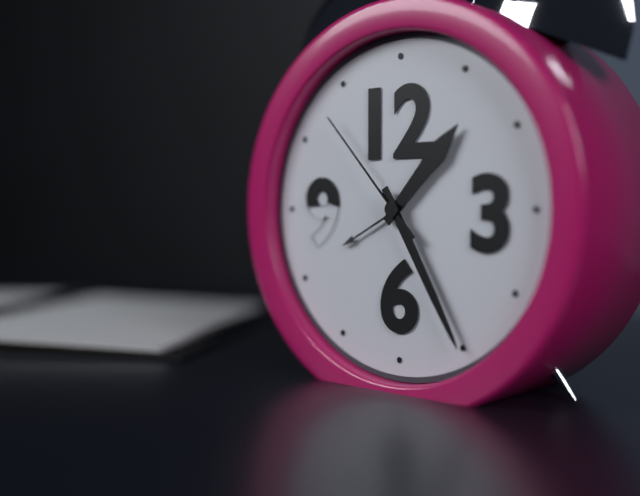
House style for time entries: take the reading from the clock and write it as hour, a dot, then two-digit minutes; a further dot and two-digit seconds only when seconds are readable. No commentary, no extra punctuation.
1.25.53
